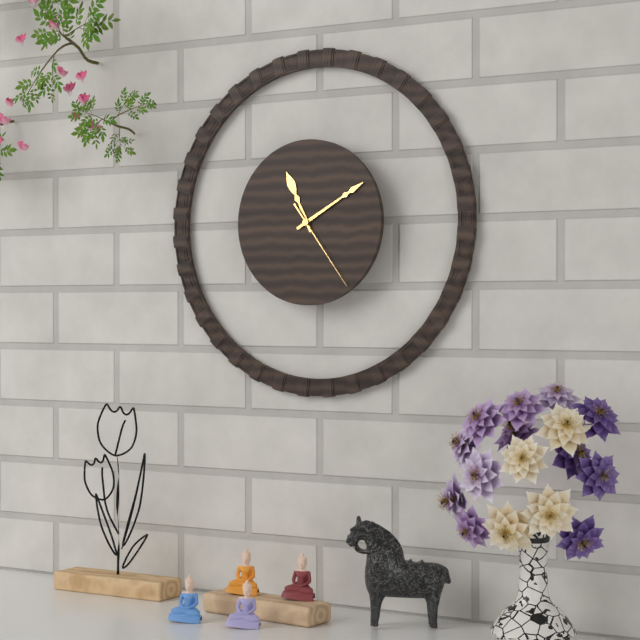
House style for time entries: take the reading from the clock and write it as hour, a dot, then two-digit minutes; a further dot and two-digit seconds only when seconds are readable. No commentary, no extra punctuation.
11.10.24
